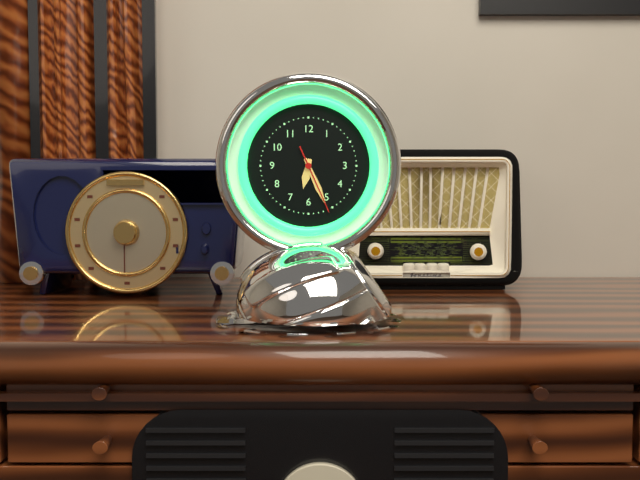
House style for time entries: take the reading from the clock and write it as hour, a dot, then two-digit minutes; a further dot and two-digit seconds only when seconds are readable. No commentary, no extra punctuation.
6.26.26
